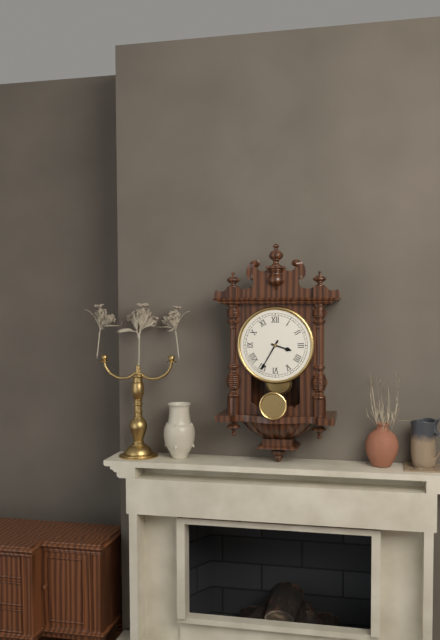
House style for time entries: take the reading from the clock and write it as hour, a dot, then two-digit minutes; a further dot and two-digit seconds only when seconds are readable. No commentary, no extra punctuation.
3.35
